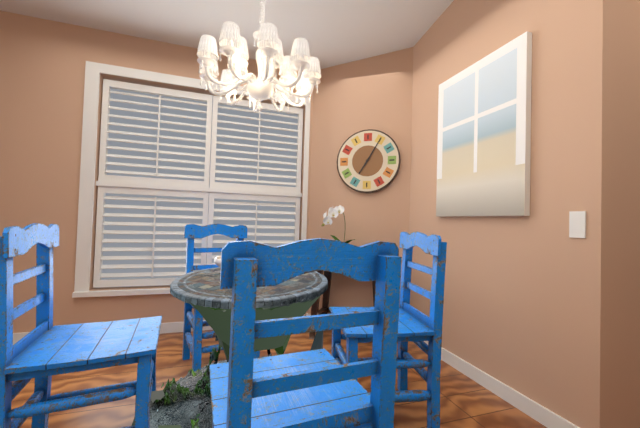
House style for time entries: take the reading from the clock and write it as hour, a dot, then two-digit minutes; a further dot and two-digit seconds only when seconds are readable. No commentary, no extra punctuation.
7.05
